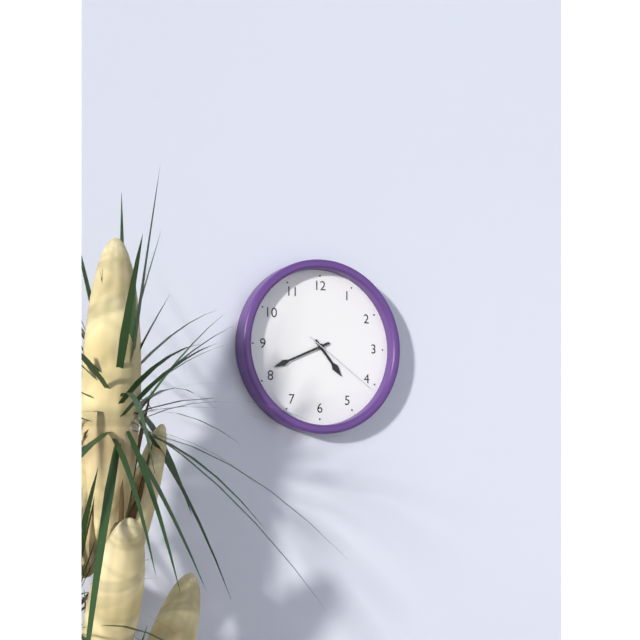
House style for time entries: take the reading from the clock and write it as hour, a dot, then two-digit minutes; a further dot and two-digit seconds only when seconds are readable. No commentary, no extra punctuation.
4.41.21
